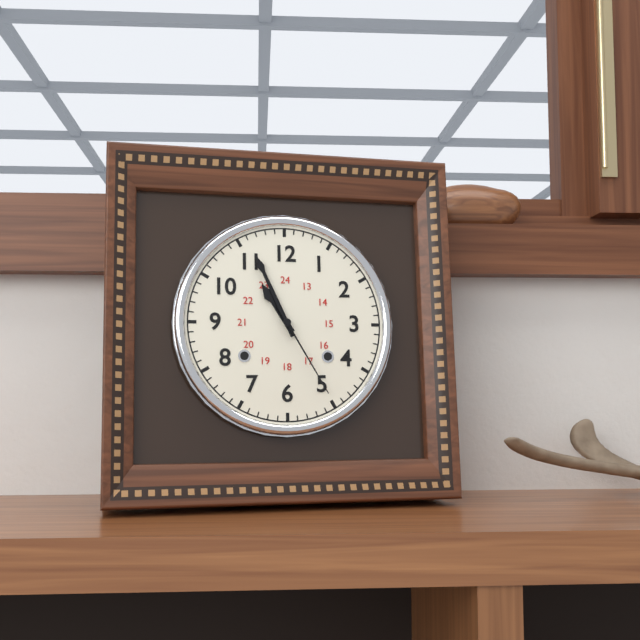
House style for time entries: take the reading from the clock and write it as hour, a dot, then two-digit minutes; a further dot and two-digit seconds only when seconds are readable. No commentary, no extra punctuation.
10.56.25
